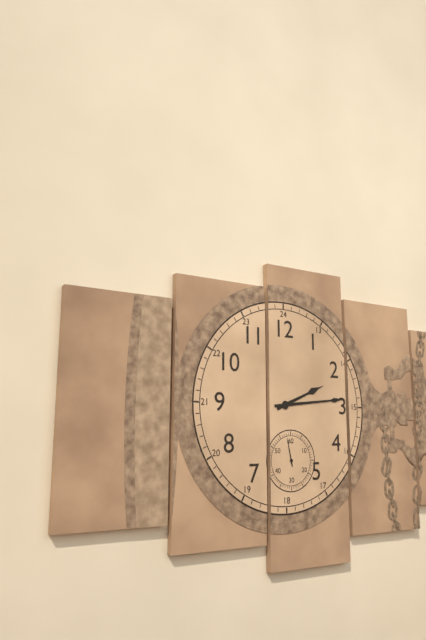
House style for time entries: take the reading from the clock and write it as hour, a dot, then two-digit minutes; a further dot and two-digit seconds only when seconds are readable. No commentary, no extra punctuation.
2.14
